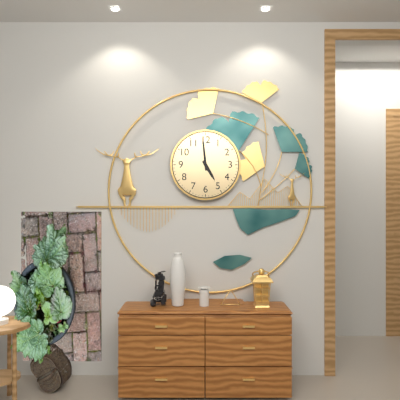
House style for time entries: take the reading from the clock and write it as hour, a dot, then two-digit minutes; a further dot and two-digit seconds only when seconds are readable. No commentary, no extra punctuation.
4.59
